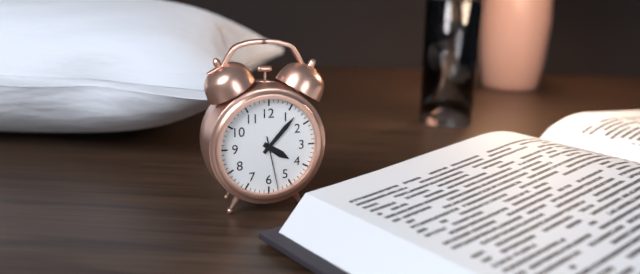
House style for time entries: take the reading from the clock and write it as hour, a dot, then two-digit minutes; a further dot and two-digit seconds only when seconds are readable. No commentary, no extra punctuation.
4.07.28
